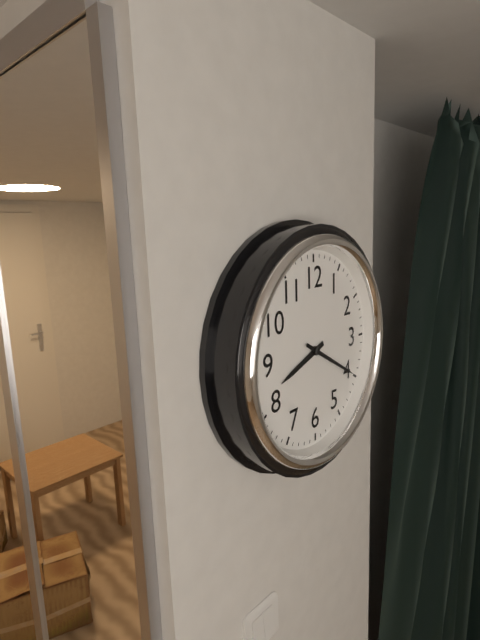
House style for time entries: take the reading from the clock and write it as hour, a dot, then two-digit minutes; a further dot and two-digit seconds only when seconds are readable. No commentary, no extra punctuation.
8.20
